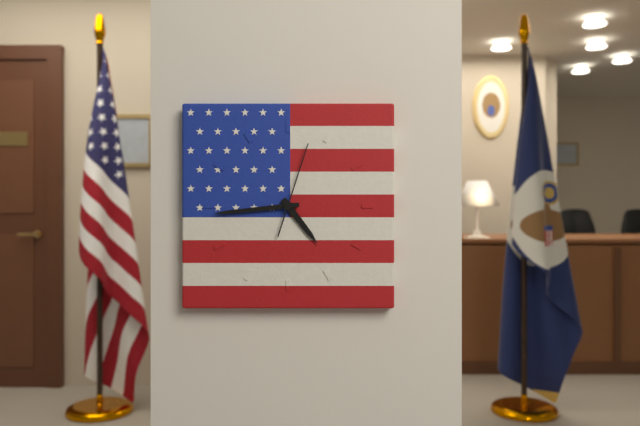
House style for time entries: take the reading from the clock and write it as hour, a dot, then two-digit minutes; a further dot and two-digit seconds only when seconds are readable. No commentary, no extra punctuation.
4.44.03
